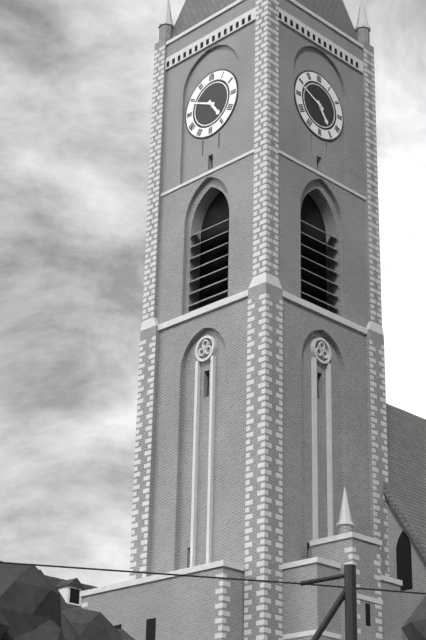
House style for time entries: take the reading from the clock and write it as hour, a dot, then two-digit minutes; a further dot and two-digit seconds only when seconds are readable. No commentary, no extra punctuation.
4.49
